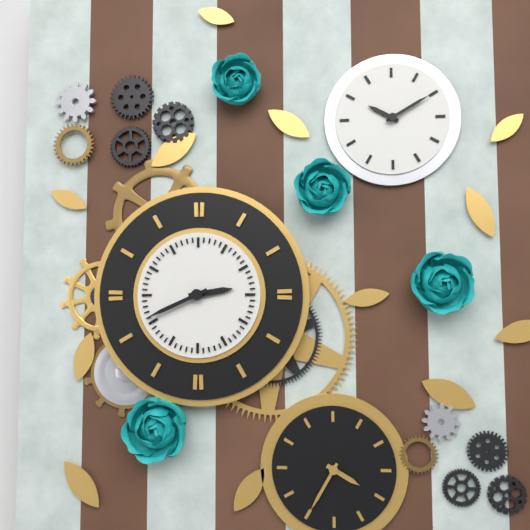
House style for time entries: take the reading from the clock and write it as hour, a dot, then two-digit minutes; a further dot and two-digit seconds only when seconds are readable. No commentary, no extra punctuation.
2.41
